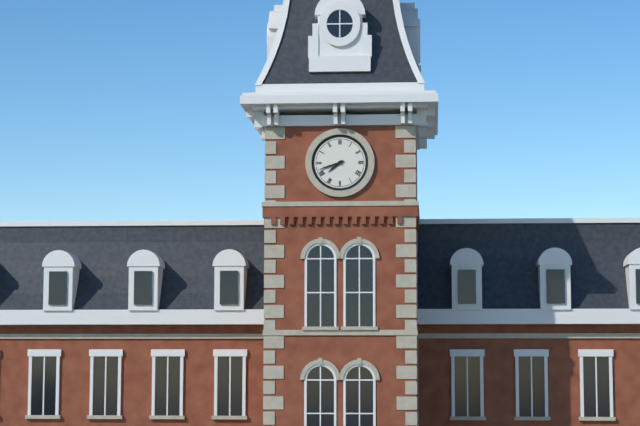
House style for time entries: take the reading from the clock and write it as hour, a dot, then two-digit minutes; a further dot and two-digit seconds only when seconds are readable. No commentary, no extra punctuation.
7.42
